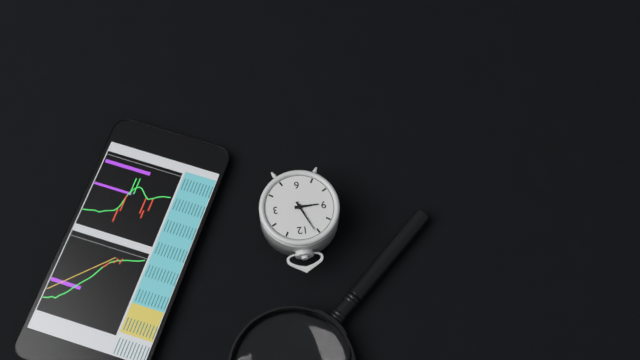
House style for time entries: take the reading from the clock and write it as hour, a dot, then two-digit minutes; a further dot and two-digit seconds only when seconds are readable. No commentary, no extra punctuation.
8.56
